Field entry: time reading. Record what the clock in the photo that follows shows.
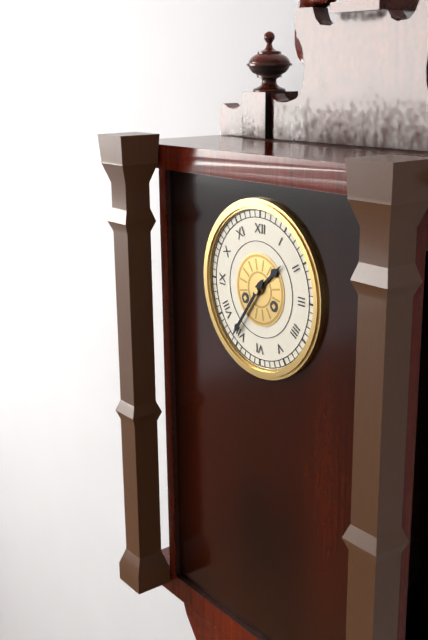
1:36
